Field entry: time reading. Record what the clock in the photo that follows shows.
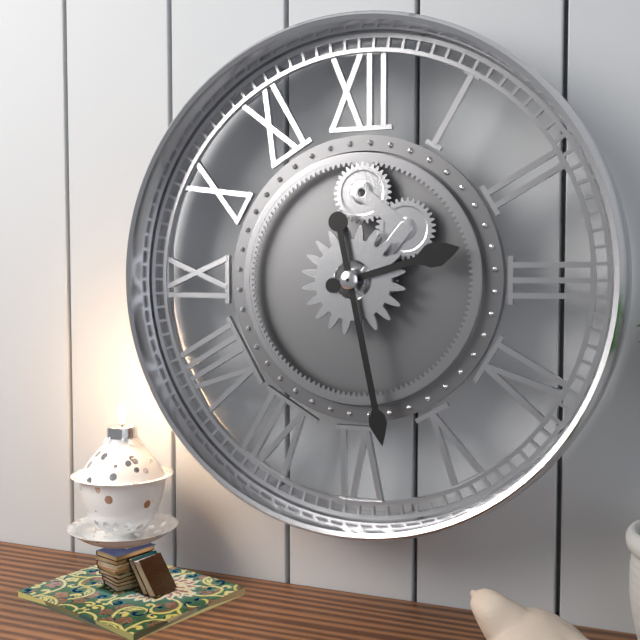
2:28
